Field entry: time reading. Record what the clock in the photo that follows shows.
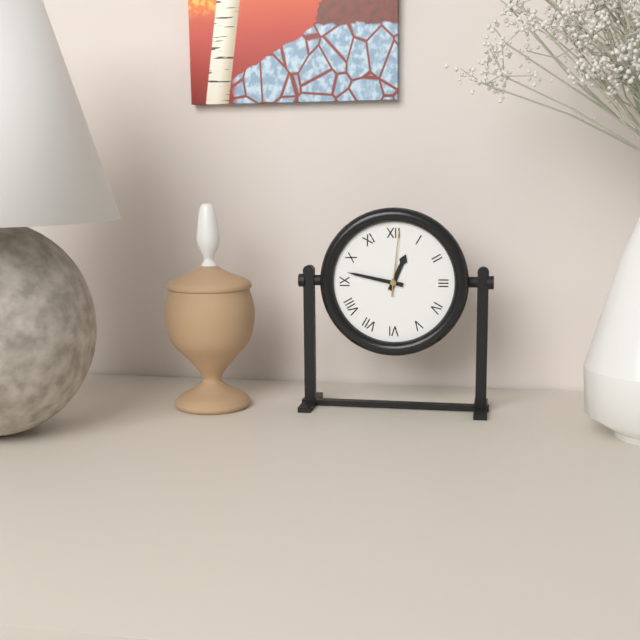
12:47:01
